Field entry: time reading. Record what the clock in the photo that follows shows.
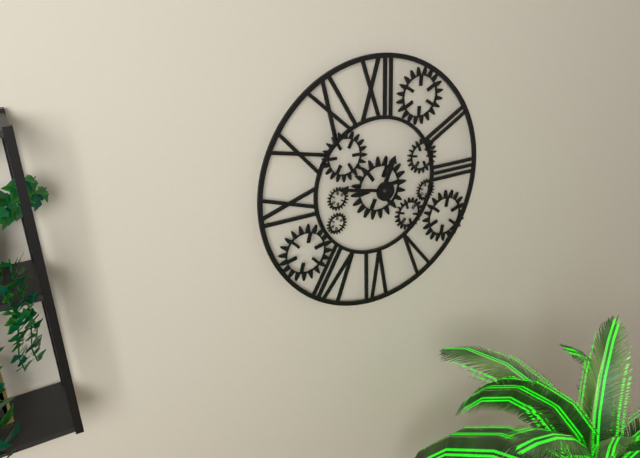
12:47
